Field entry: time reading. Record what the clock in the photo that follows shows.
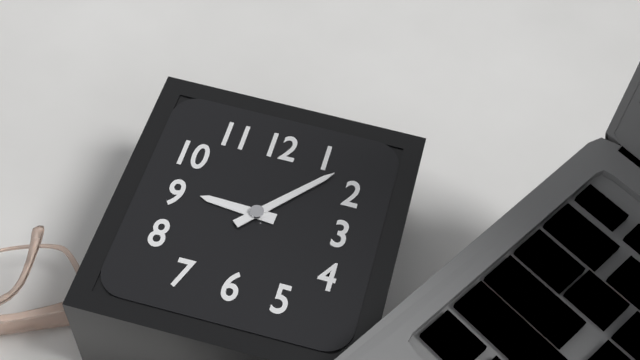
9:07
